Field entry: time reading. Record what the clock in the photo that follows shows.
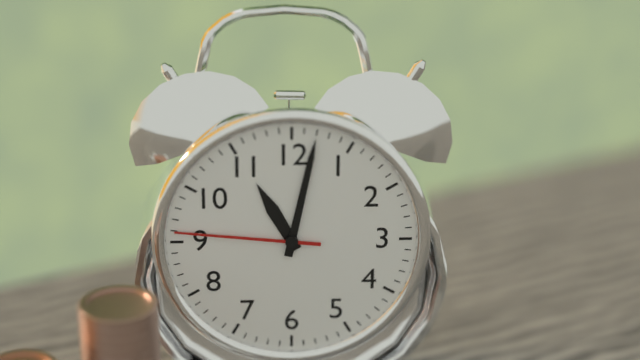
11:02:46
